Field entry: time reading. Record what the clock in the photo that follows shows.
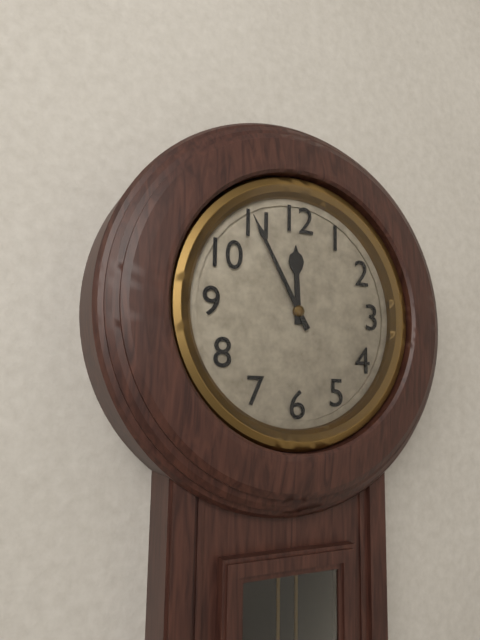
11:55
